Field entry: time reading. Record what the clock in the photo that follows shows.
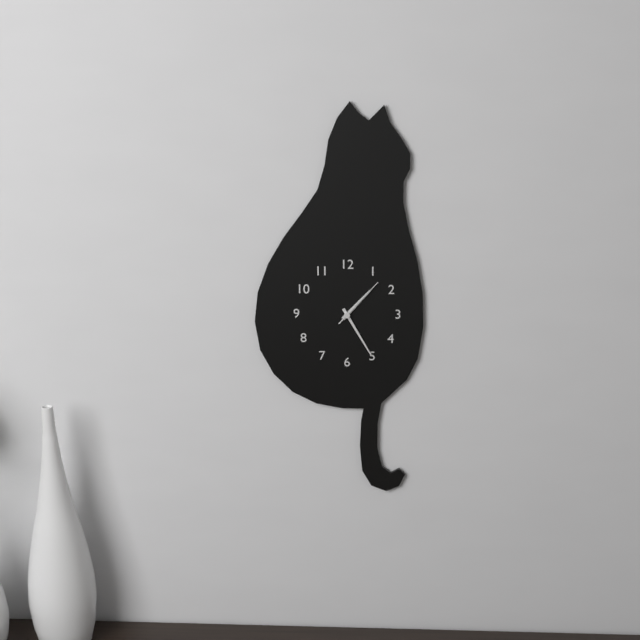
1:25:07
